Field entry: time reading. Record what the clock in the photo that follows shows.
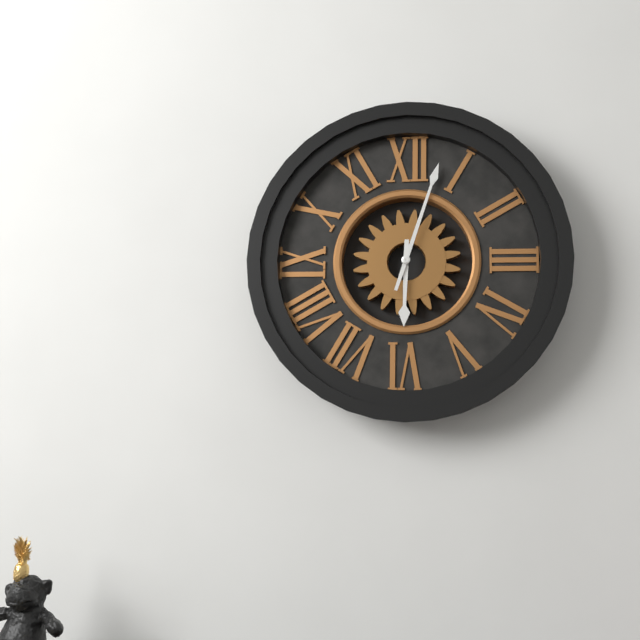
6:03
